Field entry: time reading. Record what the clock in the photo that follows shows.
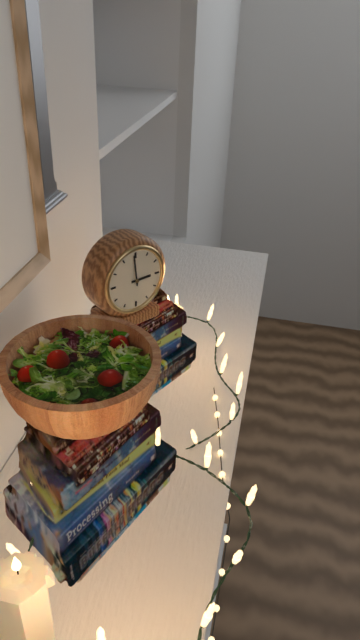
2:59
